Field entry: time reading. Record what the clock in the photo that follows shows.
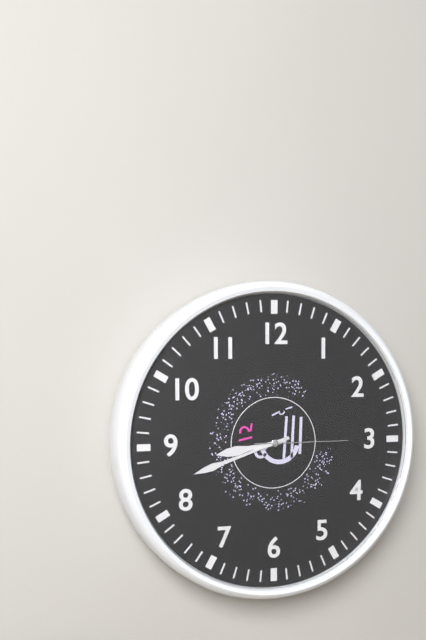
8:42:15
